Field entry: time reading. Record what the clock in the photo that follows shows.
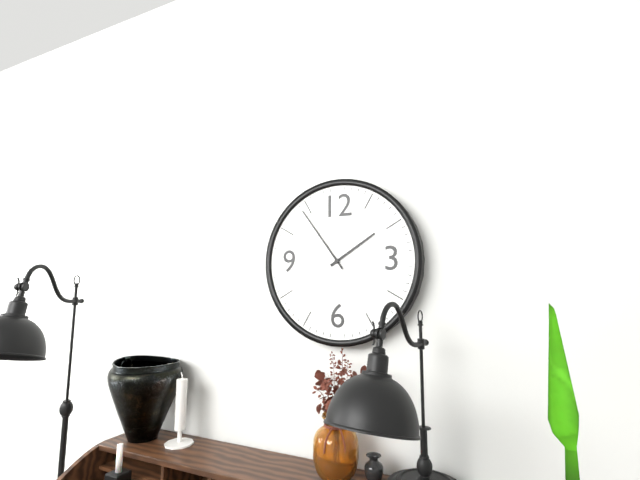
1:54
